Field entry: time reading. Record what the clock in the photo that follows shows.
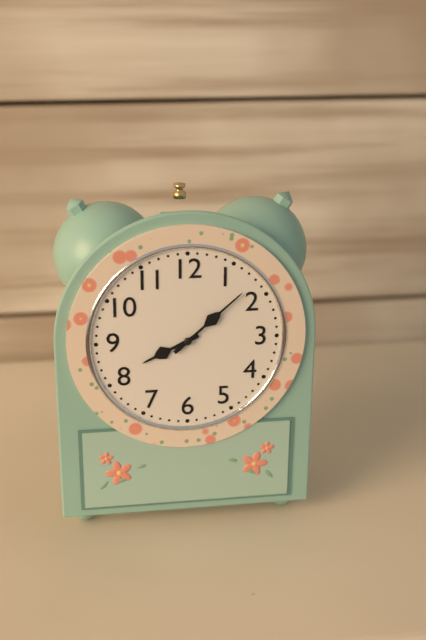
8:08
